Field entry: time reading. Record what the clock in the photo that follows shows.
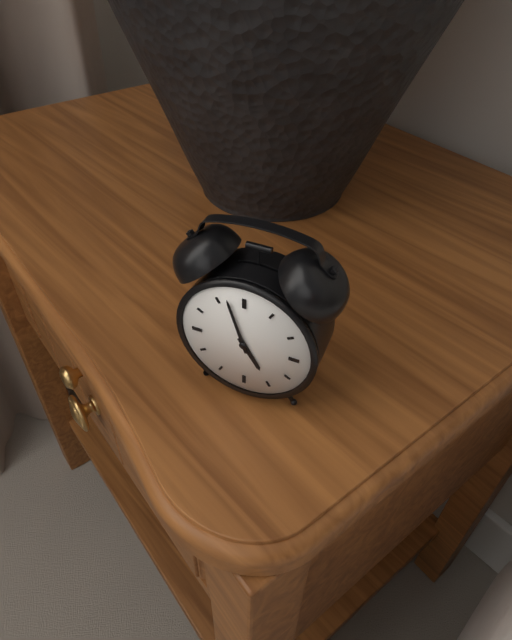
4:57
